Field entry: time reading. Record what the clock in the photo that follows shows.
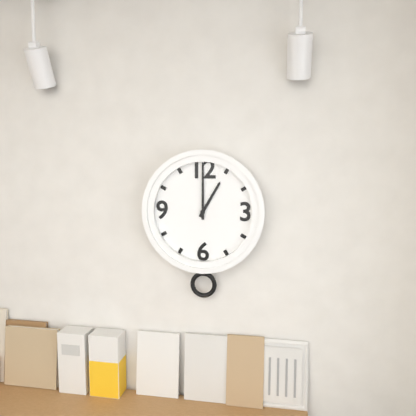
1:00
